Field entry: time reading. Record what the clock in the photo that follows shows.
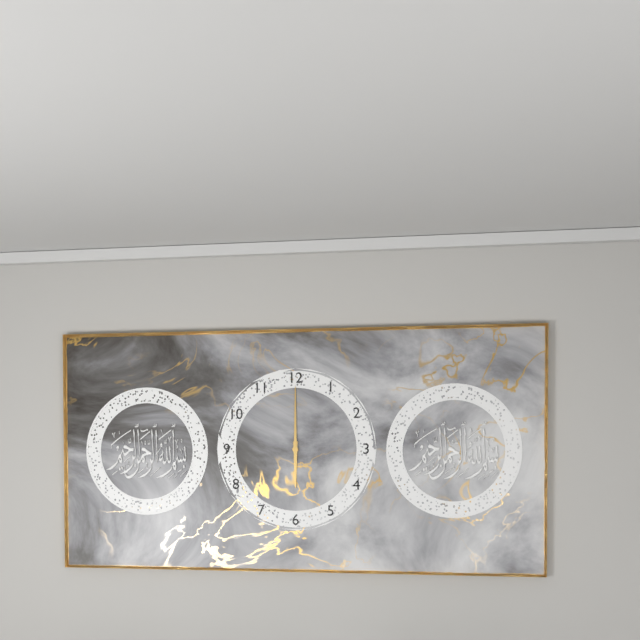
6:00
